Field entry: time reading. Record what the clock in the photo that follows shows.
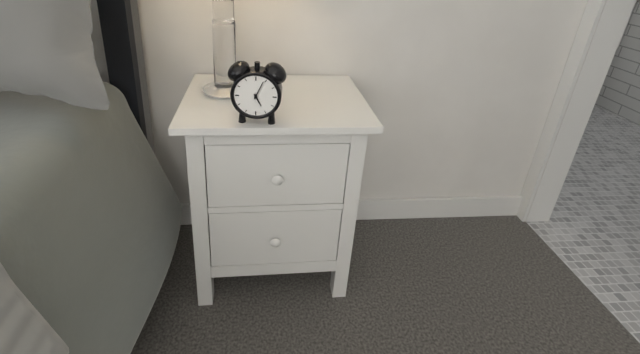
5:04
